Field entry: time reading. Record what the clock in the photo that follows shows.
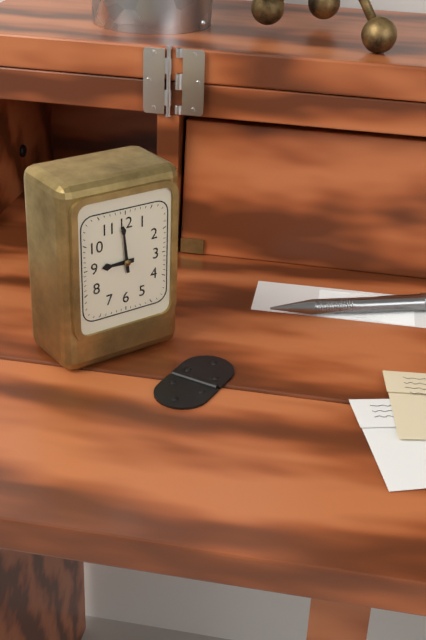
8:59
